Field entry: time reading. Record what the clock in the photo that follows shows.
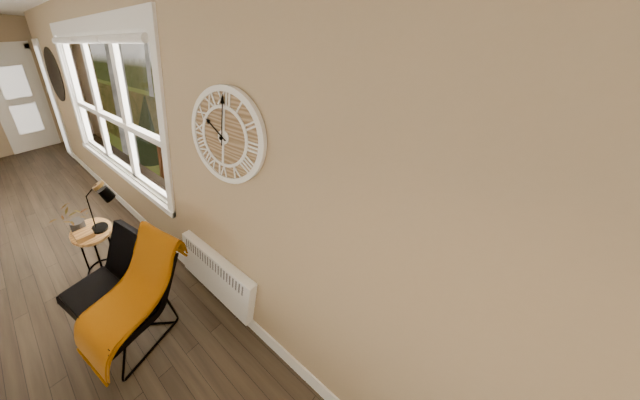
10:00
